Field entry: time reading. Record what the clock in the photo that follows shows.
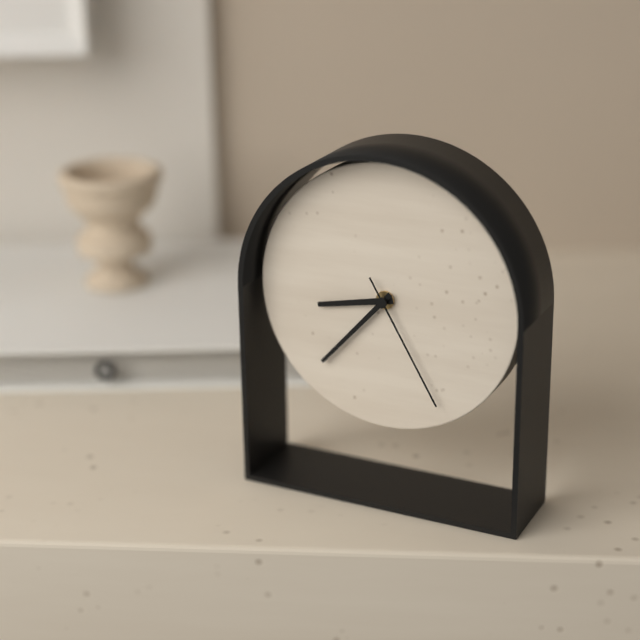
8:37:25
